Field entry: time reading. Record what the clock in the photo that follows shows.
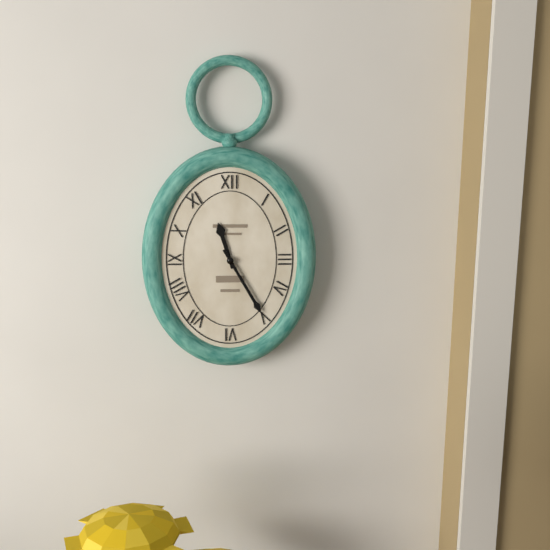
11:25
